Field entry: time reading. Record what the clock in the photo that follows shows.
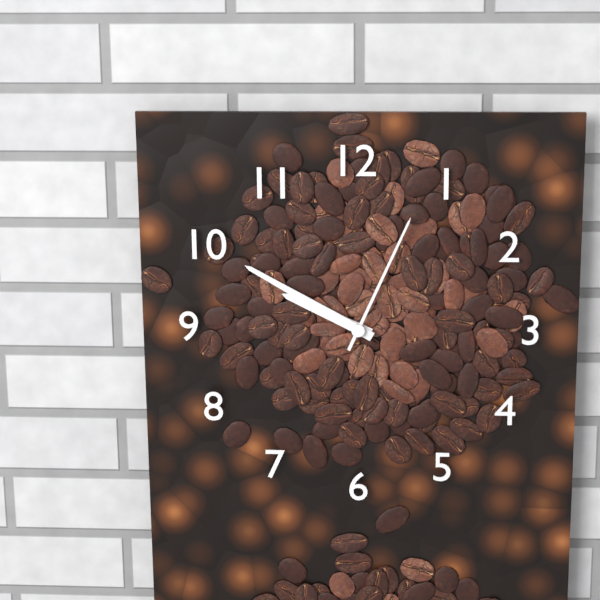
9:50:04
